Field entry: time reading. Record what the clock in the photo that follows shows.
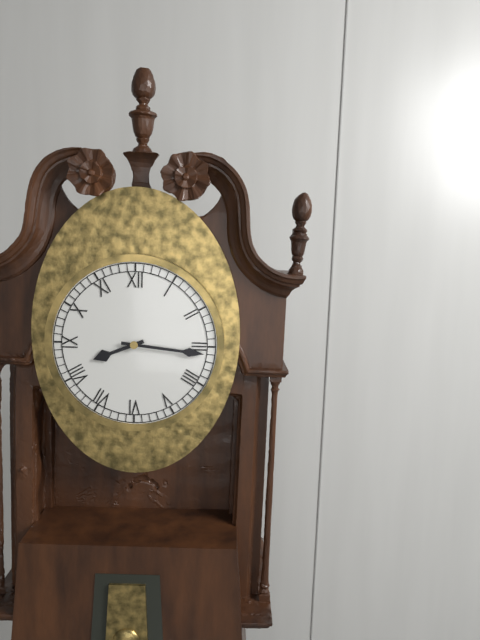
8:16
